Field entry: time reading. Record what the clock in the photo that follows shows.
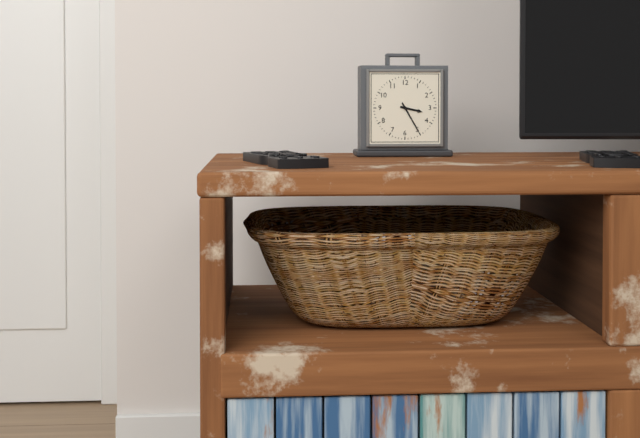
3:25
